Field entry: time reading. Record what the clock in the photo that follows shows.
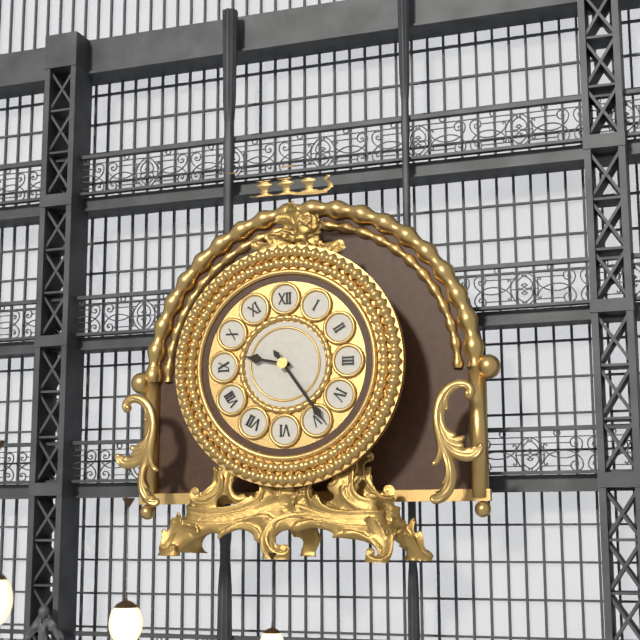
9:24
